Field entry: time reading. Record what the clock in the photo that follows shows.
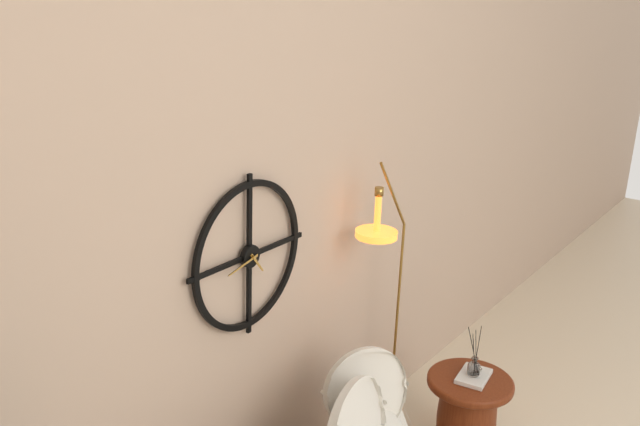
4:43
